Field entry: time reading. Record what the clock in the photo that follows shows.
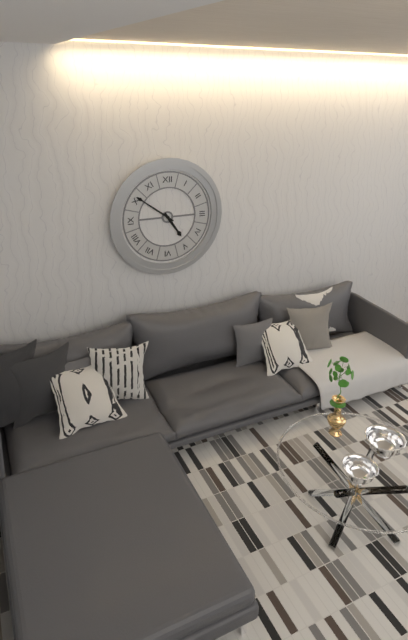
4:51
